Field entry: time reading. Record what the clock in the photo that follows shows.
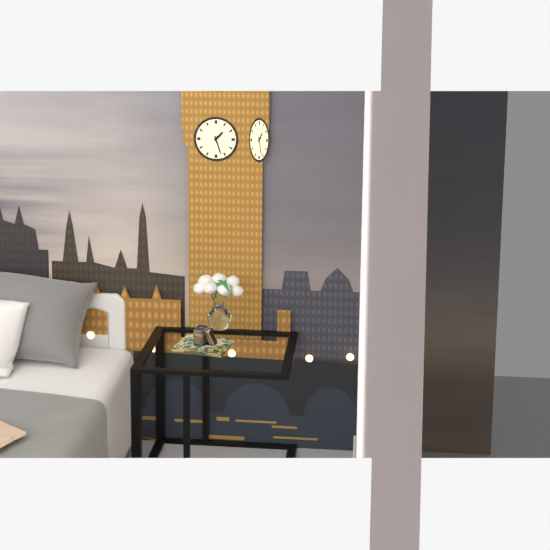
1:27
